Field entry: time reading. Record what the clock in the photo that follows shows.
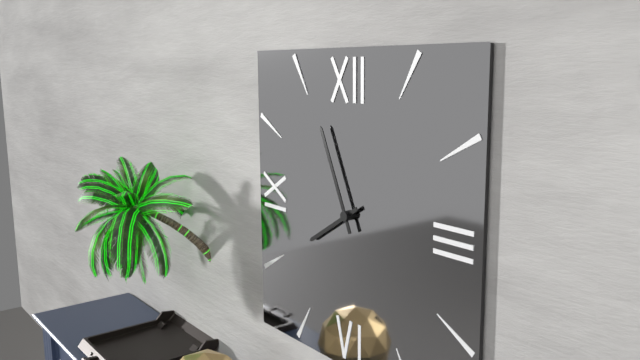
7:56
